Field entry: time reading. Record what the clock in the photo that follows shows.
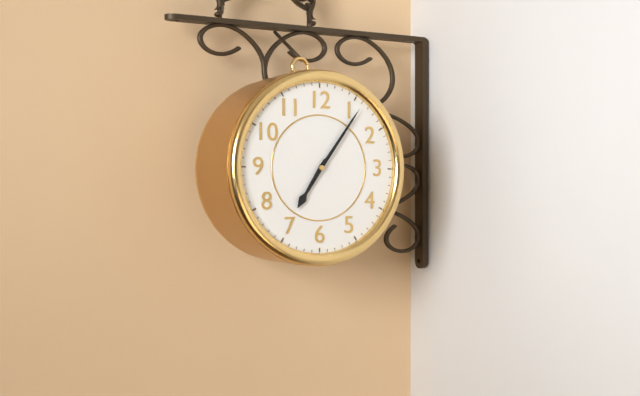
7:06
